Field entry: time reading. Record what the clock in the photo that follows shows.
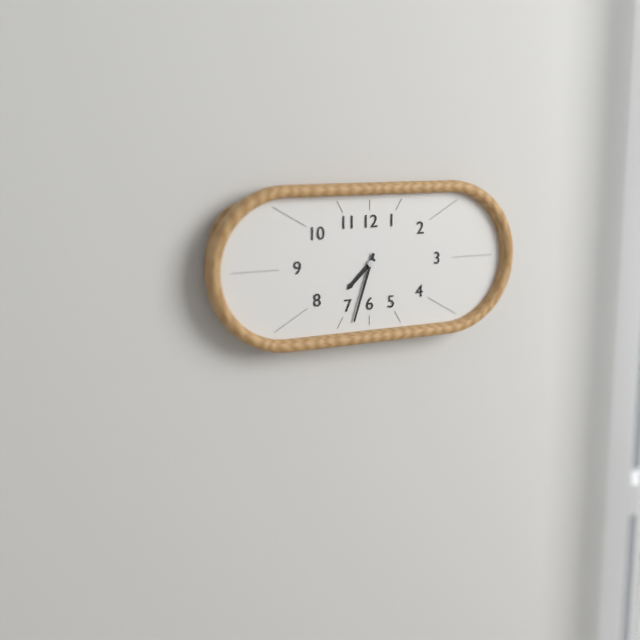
7:33
